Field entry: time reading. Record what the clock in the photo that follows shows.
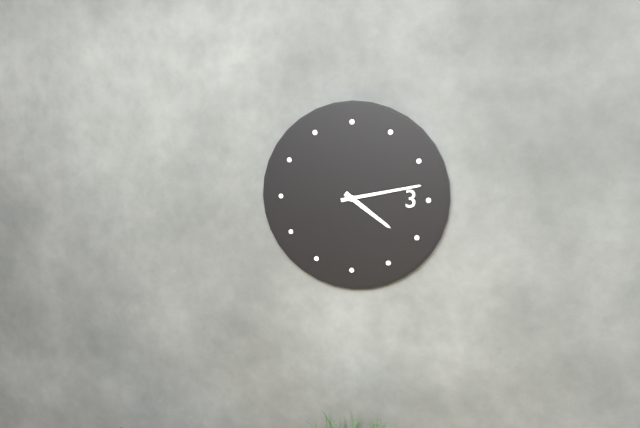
4:13
